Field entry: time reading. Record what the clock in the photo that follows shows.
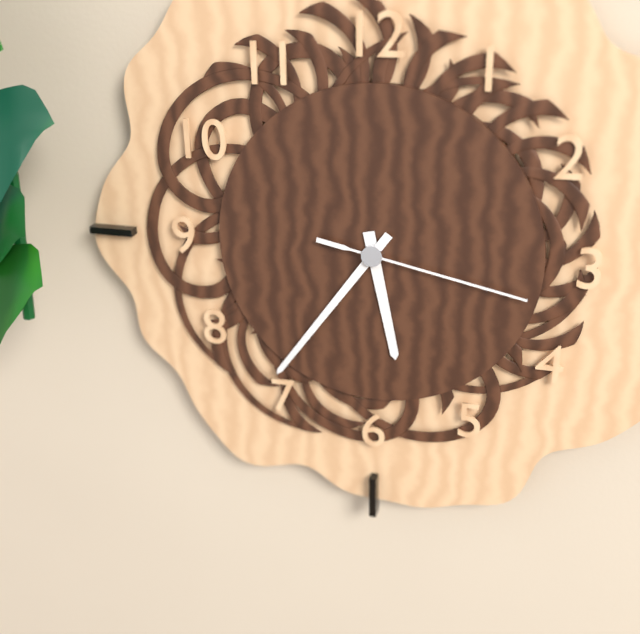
5:36:17
